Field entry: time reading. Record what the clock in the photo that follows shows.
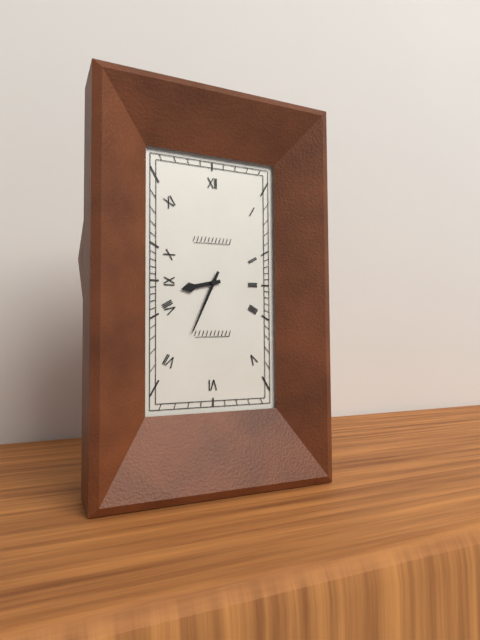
8:34
